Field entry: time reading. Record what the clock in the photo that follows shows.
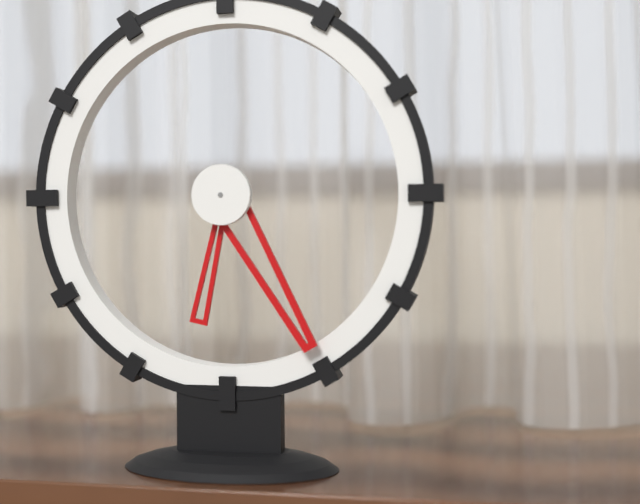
6:25
